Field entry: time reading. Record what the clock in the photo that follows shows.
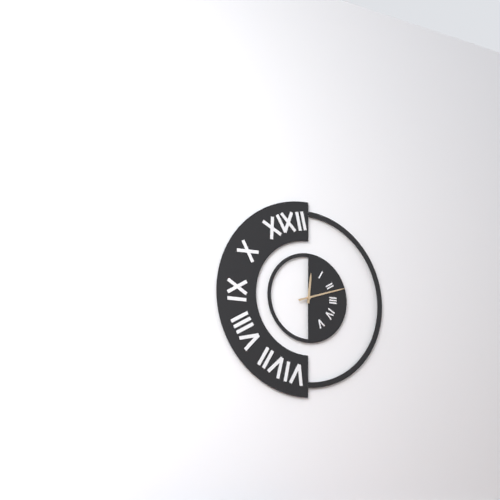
12:12
